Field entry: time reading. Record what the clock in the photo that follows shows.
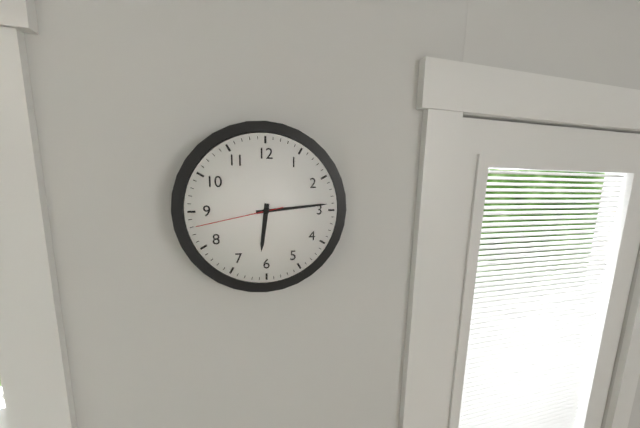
6:14:43
